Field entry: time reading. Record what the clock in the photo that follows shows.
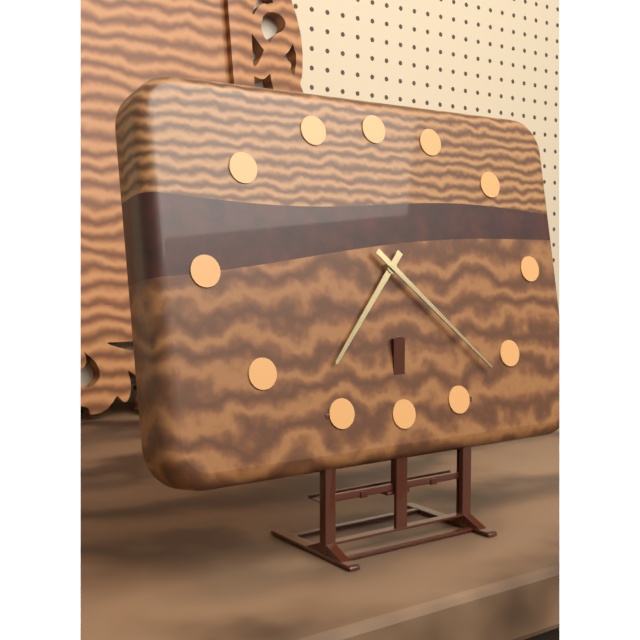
7:22
